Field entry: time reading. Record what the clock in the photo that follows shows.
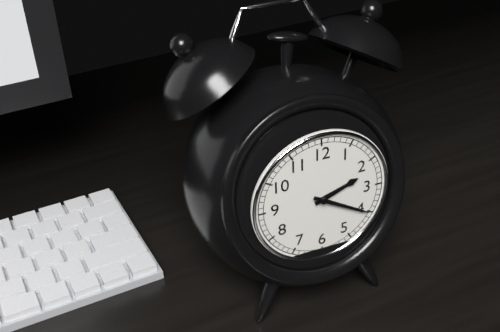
2:20
